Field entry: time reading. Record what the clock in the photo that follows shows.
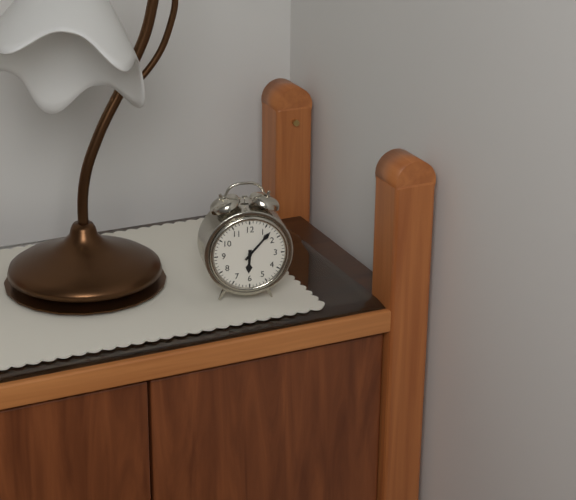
6:07
